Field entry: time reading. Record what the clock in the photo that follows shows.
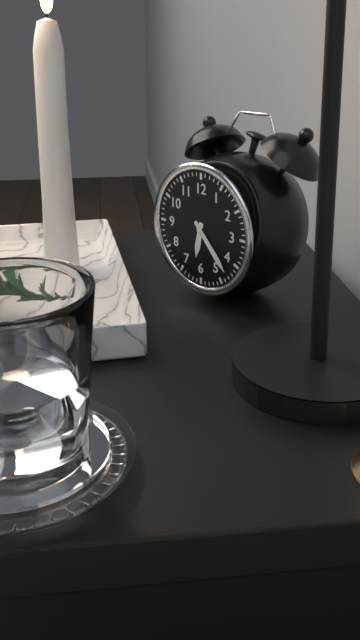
6:23
